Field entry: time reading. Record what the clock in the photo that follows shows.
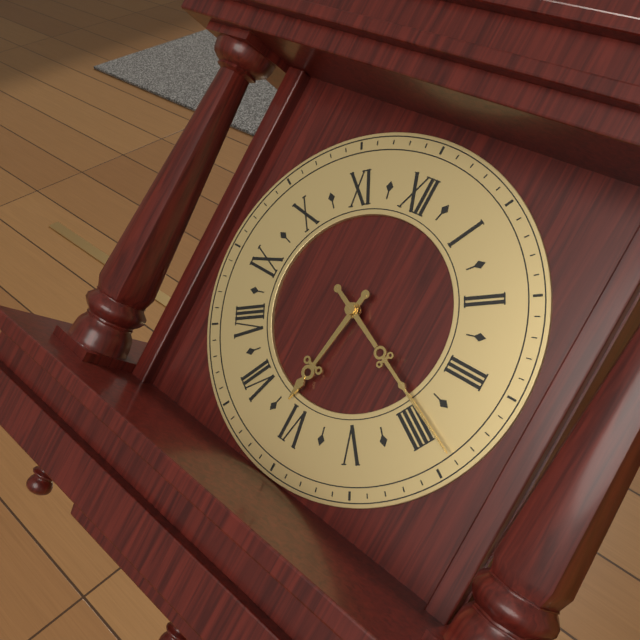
6:19
